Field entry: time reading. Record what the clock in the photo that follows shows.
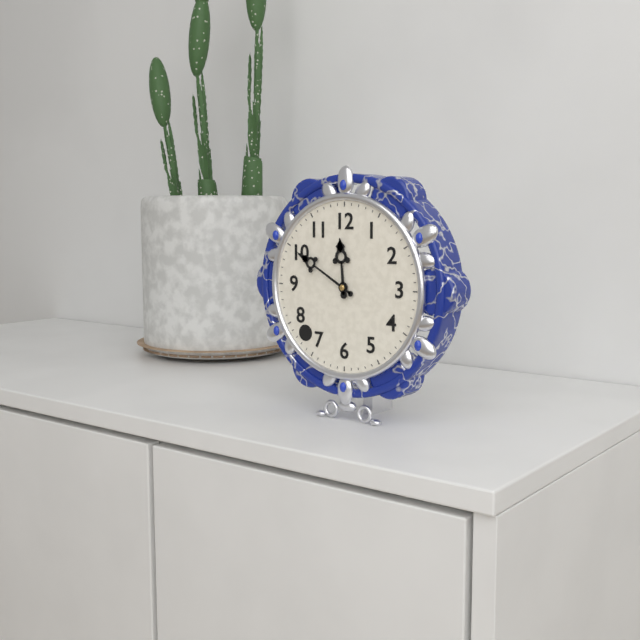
11:50
